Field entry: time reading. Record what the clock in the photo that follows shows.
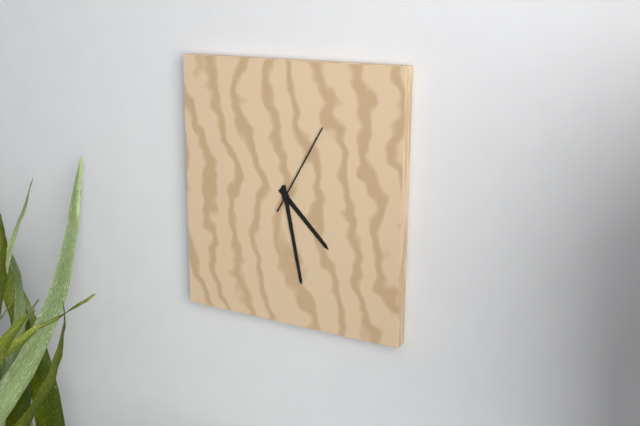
4:28:05
